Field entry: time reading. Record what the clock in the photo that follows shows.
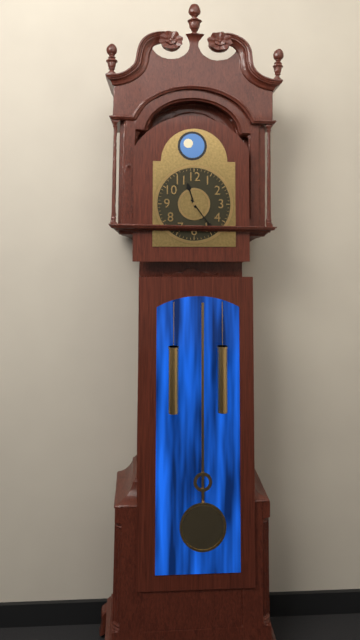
11:24
